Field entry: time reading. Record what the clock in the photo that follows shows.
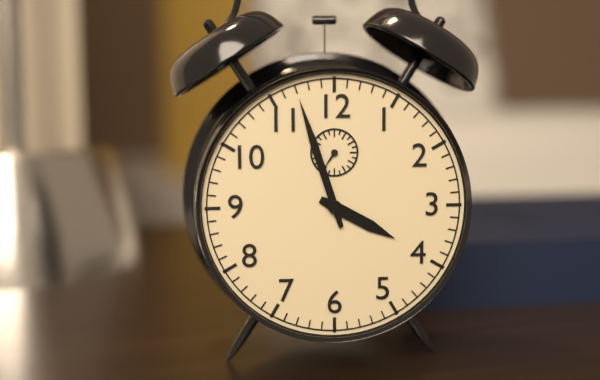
3:57
